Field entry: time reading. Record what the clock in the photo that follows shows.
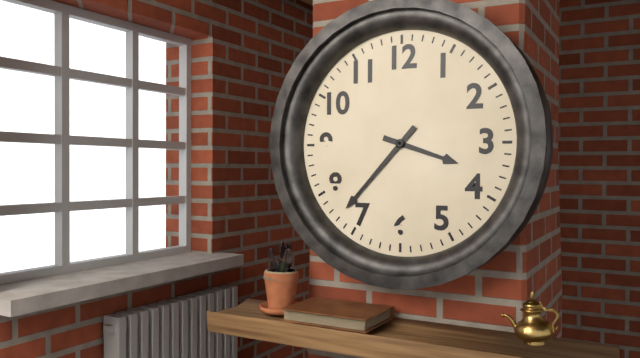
3:37
